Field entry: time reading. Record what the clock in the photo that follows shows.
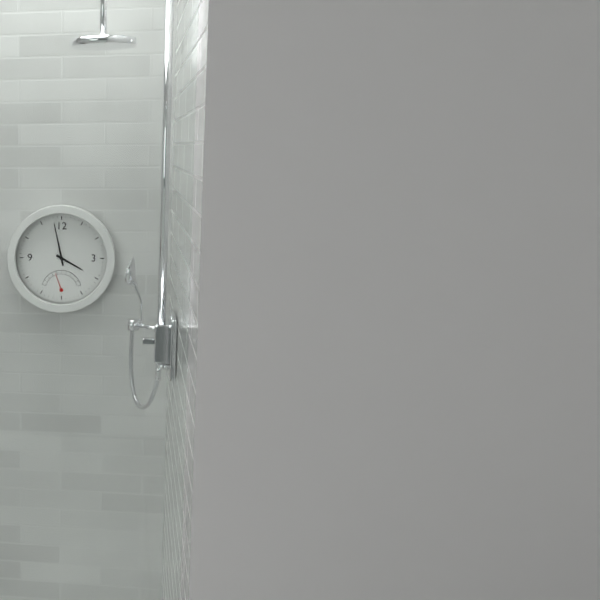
3:58
